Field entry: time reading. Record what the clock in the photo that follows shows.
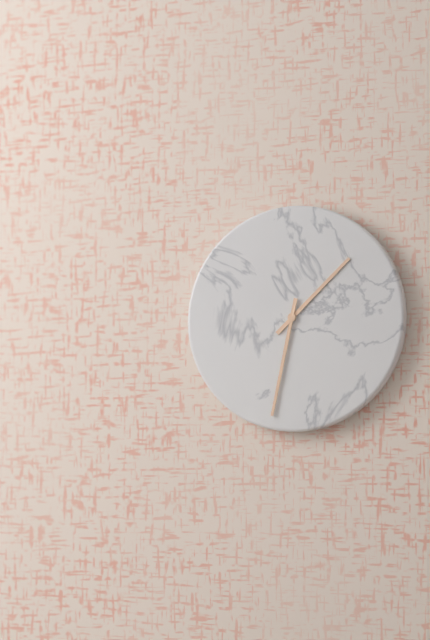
1:32
